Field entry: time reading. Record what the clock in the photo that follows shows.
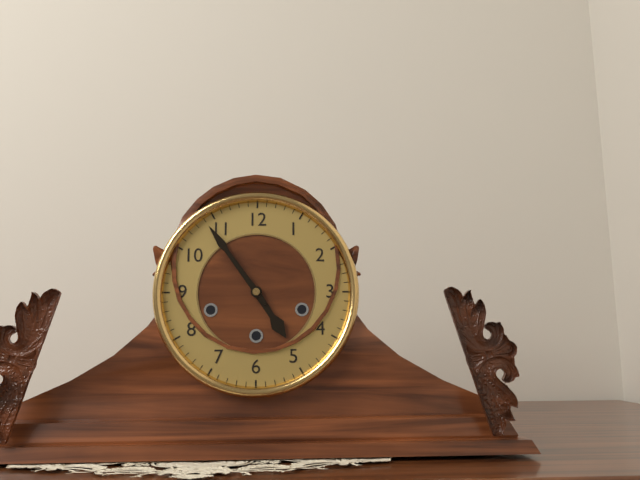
4:54
